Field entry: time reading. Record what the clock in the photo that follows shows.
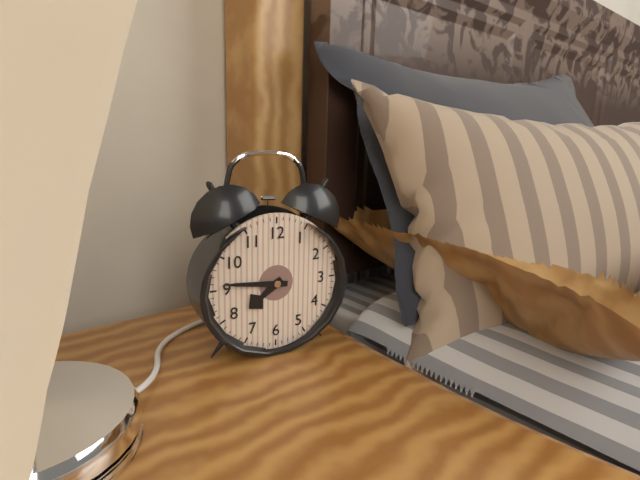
7:46
